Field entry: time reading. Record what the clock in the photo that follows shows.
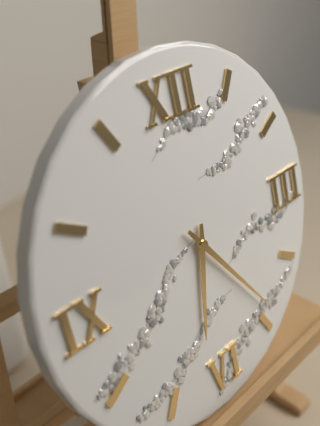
6:24
